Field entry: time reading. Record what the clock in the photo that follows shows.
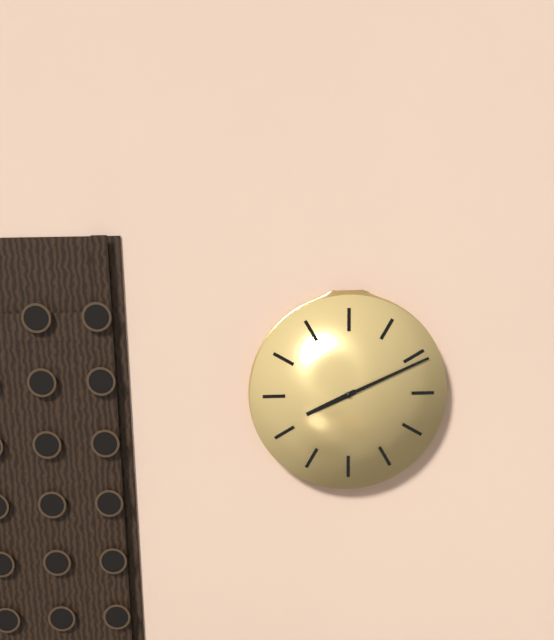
8:11
